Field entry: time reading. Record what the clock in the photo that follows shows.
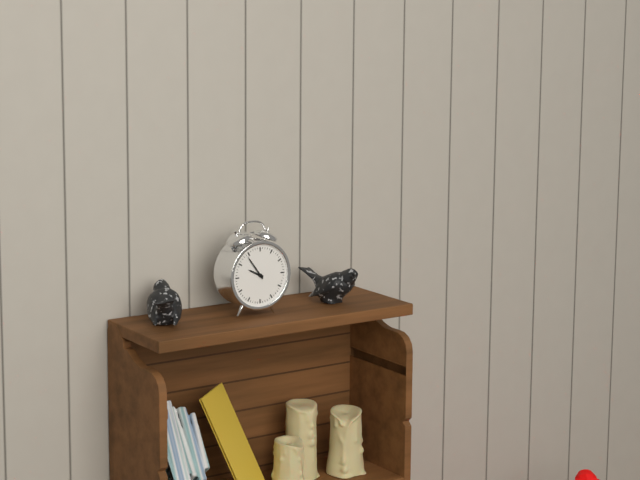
9:54
